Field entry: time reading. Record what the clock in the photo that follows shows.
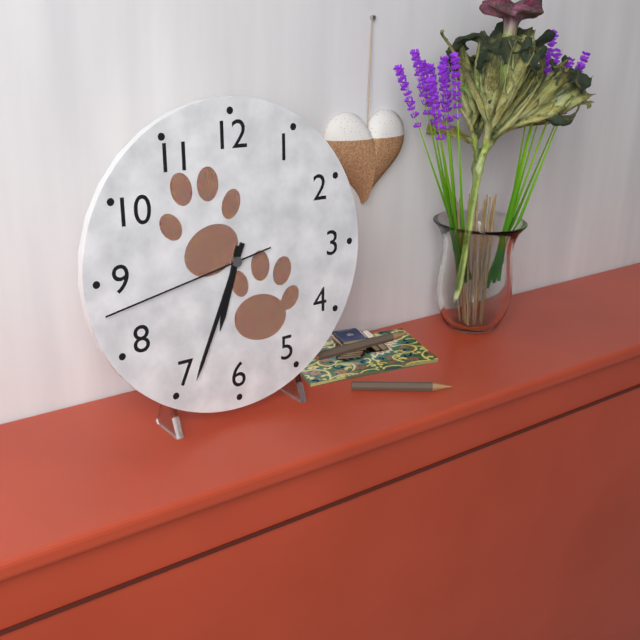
6:34:43
